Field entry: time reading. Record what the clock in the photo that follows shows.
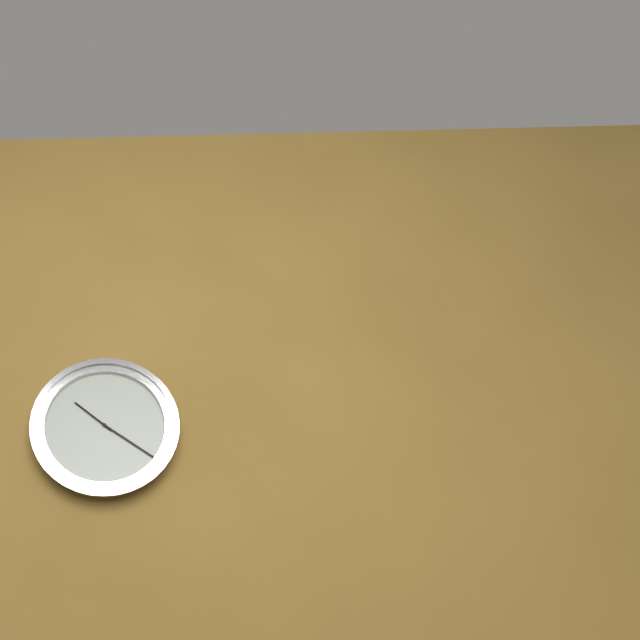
10:21
